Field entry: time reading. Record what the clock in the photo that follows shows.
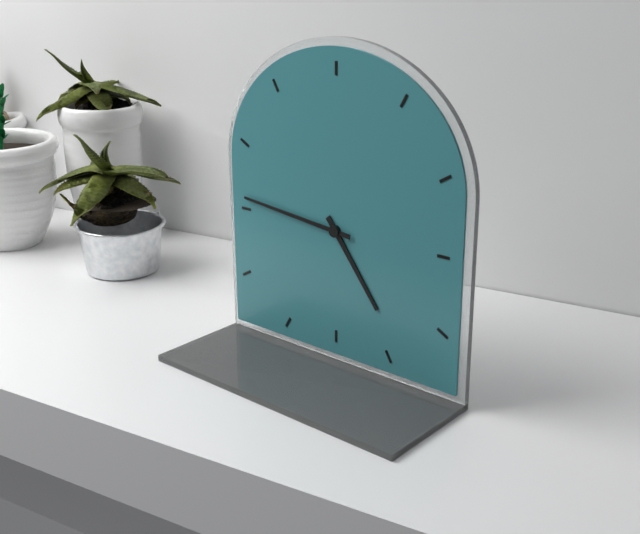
4:46
